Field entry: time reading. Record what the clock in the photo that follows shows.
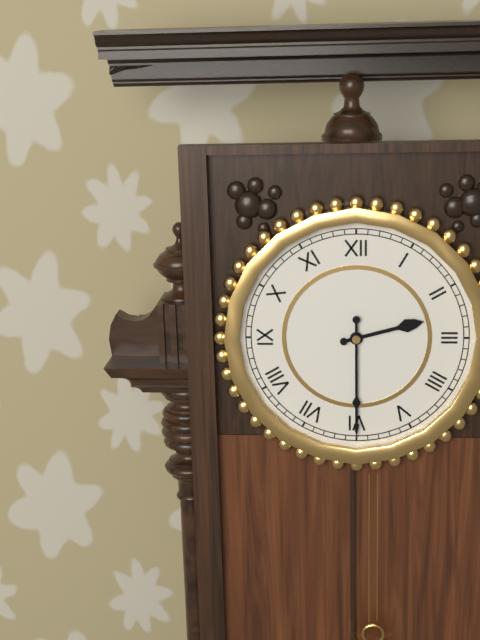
2:30
